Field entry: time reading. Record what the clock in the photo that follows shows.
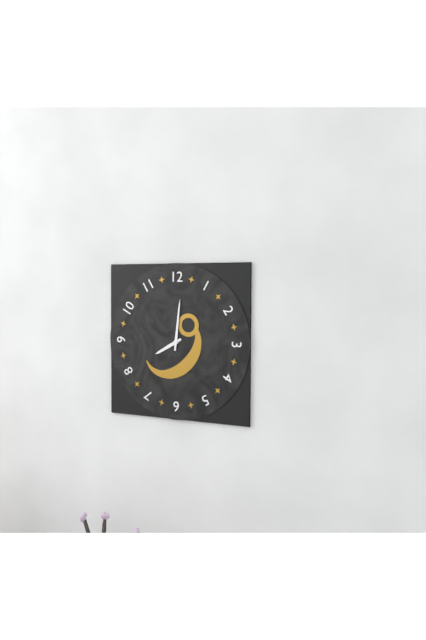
8:01
